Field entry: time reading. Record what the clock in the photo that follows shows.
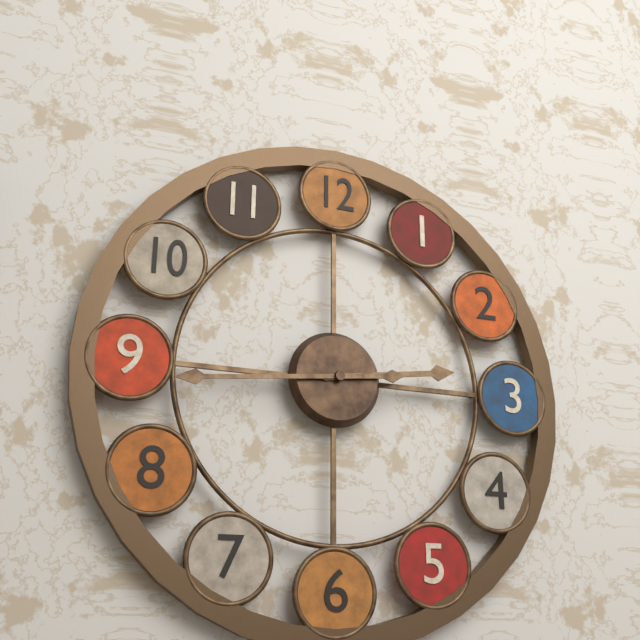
2:44
